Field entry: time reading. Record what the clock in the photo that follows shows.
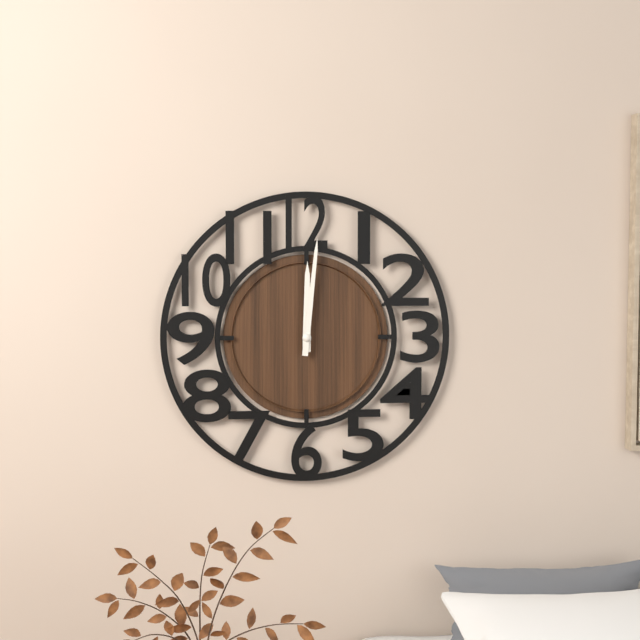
12:01
